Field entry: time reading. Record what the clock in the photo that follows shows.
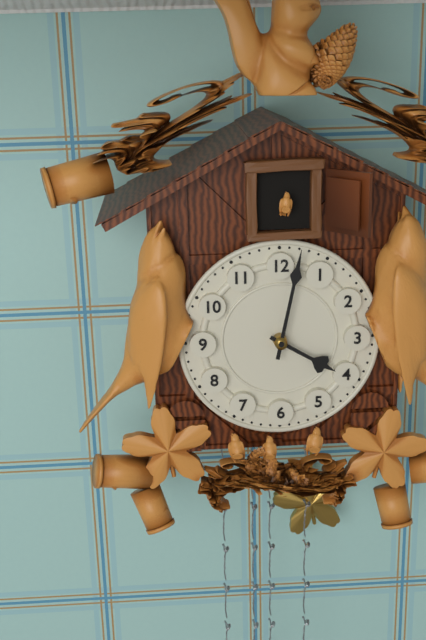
4:02
